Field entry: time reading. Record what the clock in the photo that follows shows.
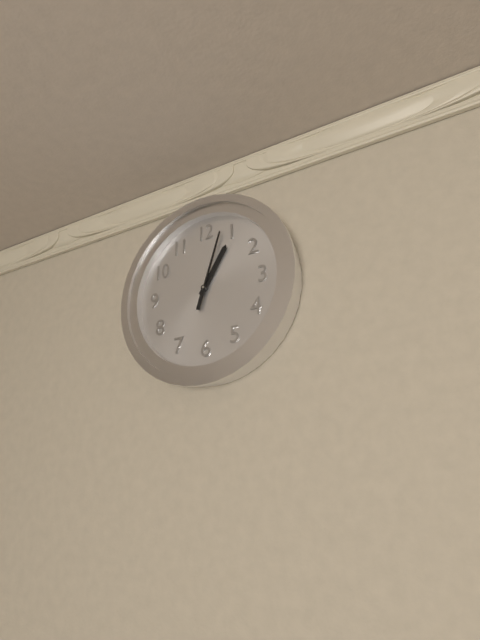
1:03
